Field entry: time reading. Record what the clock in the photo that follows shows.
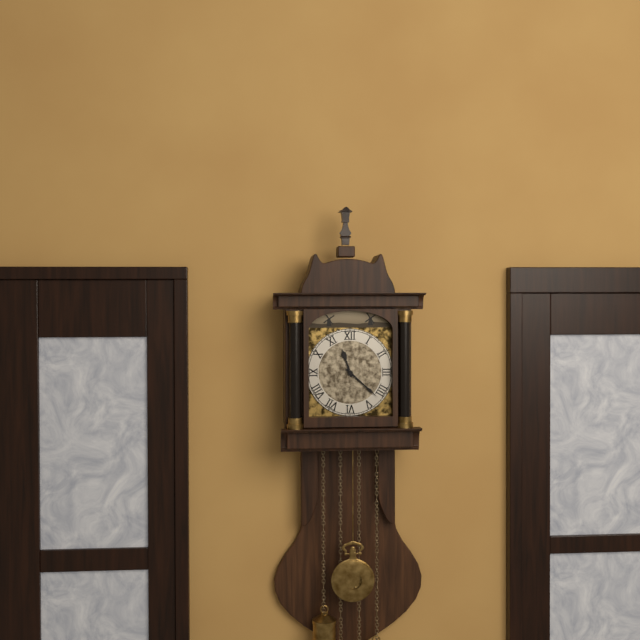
11:22
